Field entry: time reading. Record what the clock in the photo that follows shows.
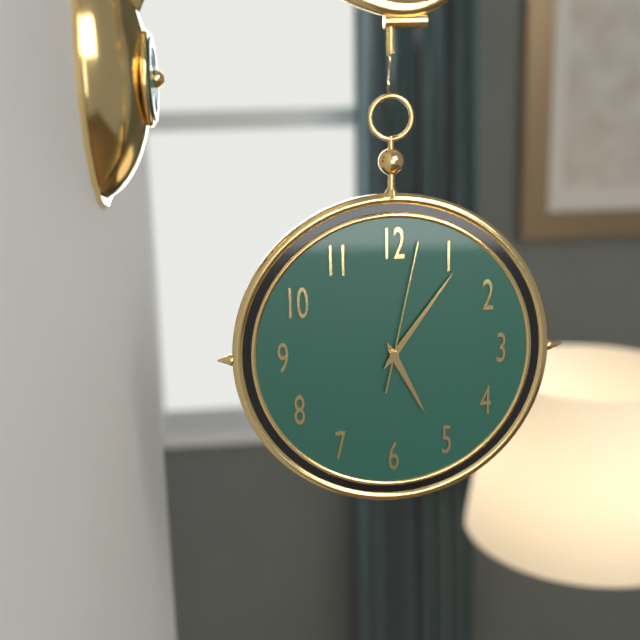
5:06:02
